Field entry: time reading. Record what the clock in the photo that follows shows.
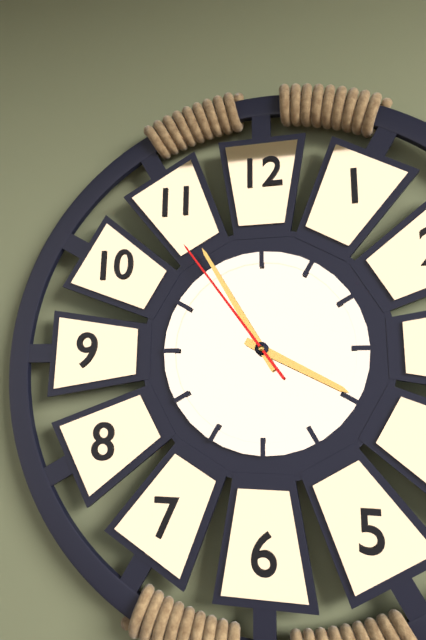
3:55:54
